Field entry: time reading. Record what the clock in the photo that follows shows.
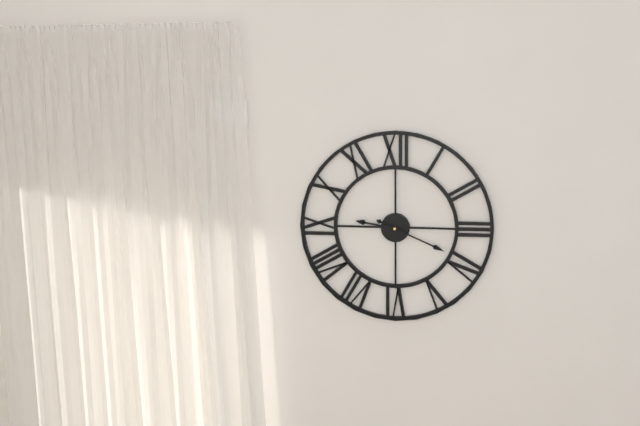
9:19
